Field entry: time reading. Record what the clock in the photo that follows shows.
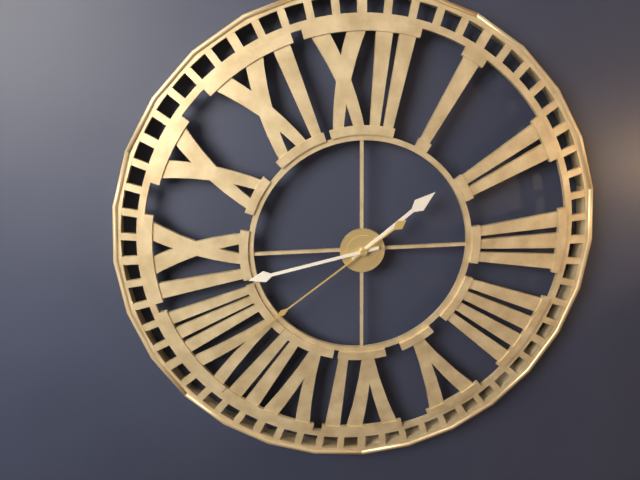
1:43:39
